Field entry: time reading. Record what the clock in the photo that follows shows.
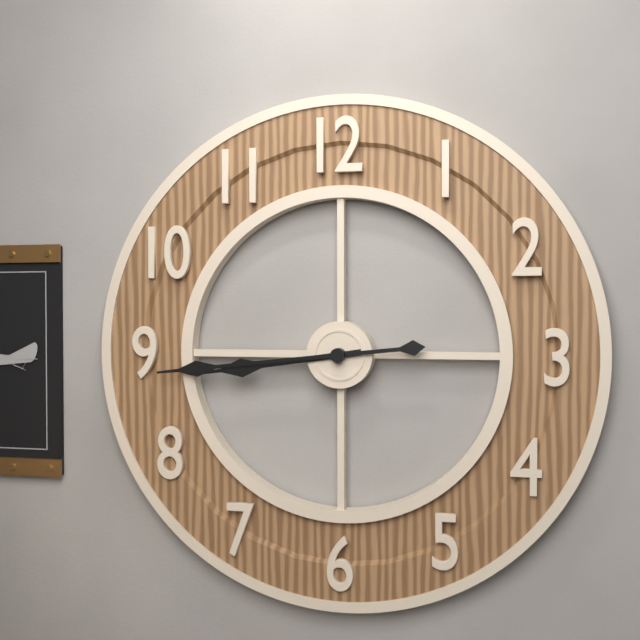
8:44
